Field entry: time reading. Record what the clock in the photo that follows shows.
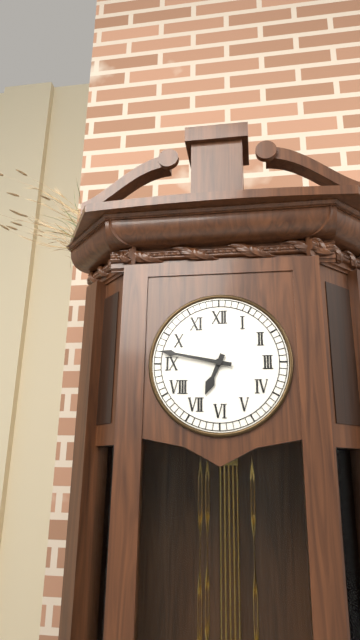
6:47
